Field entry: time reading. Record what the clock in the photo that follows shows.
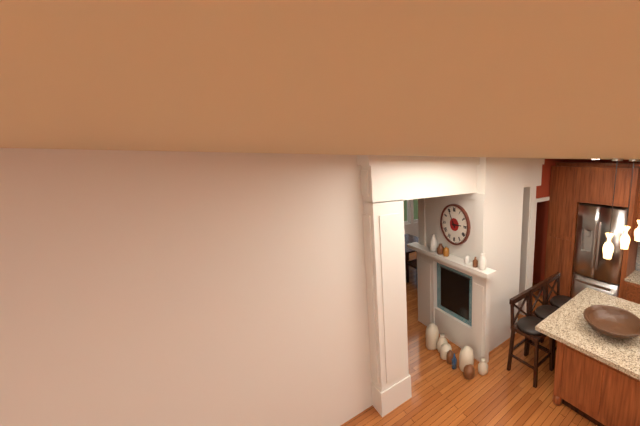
2:55
